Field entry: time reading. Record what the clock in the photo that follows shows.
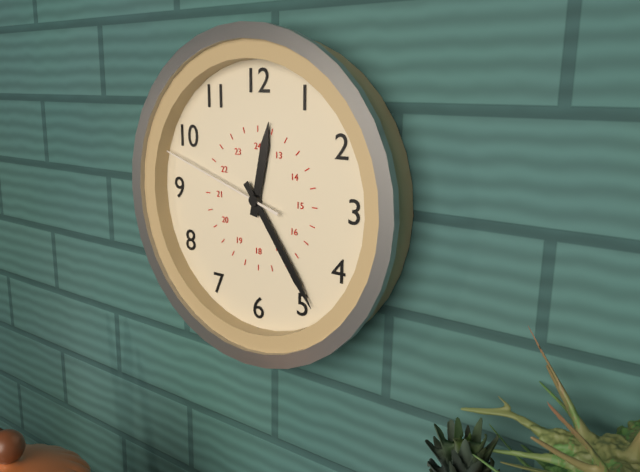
12:24:48
